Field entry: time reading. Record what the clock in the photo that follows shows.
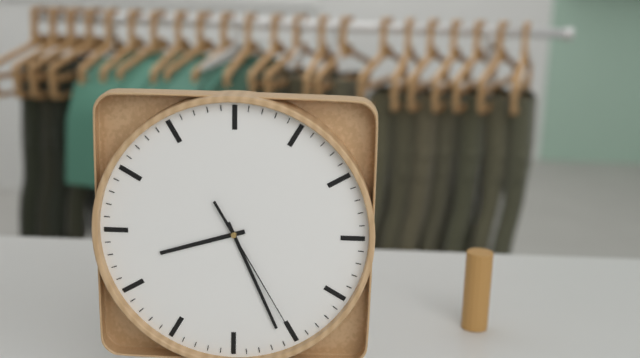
8:26:25
